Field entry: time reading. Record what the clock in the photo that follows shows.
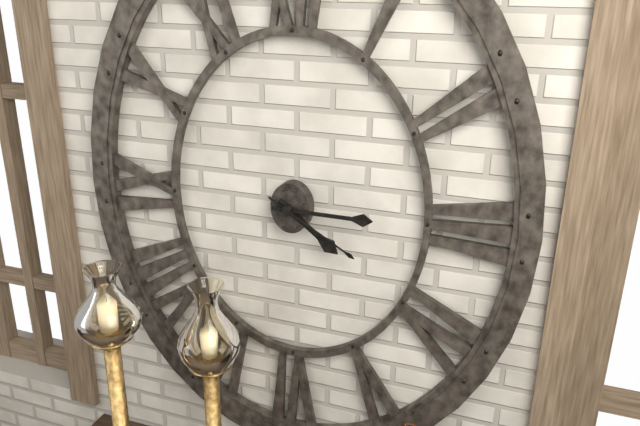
4:15:20
